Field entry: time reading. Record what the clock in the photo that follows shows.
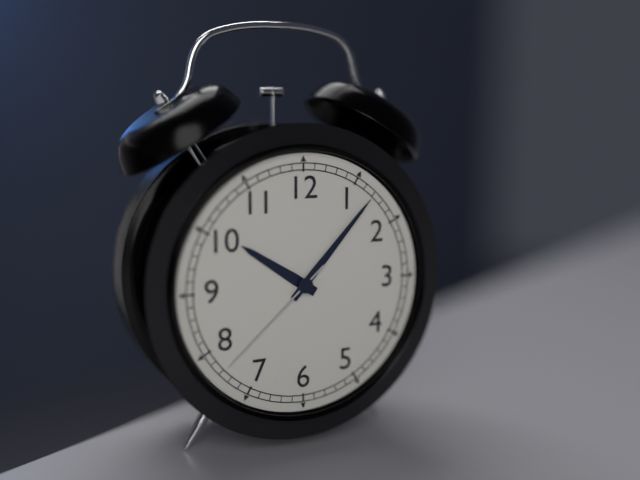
10:07:38
